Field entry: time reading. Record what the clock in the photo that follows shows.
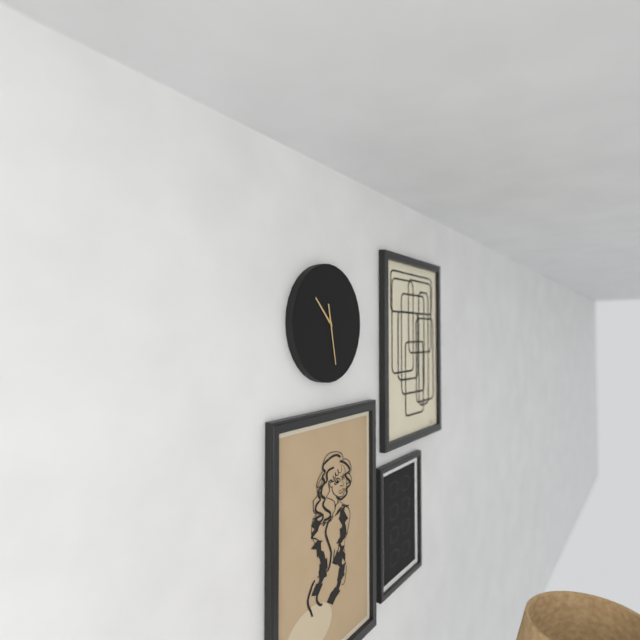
10:28
